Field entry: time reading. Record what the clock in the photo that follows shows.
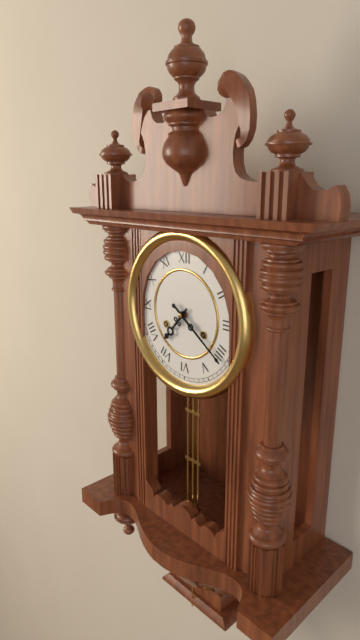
7:21
